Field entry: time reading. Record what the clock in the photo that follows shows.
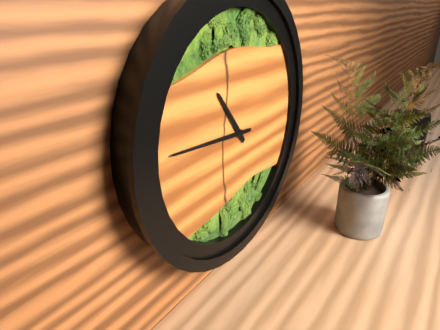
10:46
